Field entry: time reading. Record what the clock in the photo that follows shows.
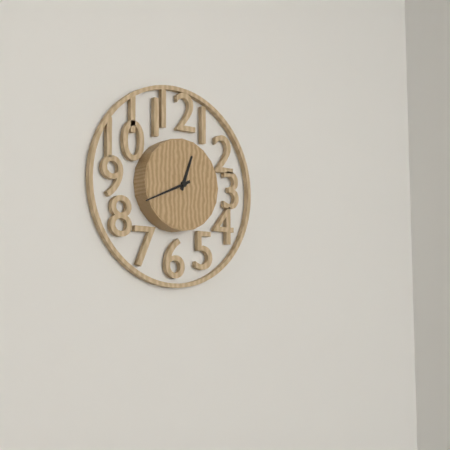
12:41
